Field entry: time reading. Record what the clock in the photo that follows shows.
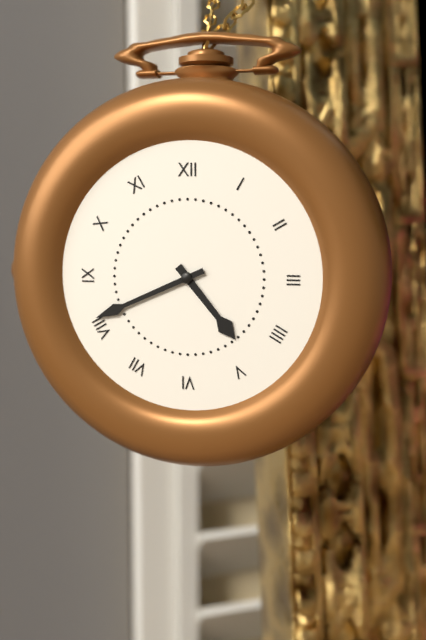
4:41
